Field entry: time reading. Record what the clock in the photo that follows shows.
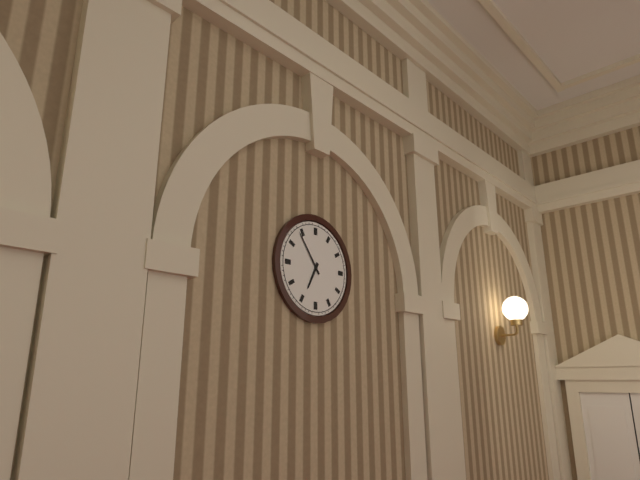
6:54
